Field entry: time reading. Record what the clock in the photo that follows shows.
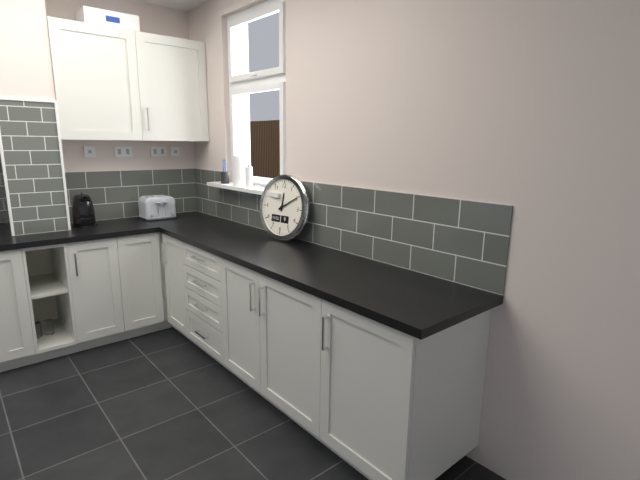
12:10
